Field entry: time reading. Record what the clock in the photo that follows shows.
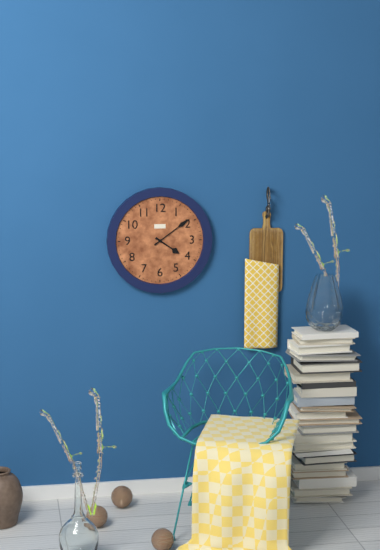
4:09
